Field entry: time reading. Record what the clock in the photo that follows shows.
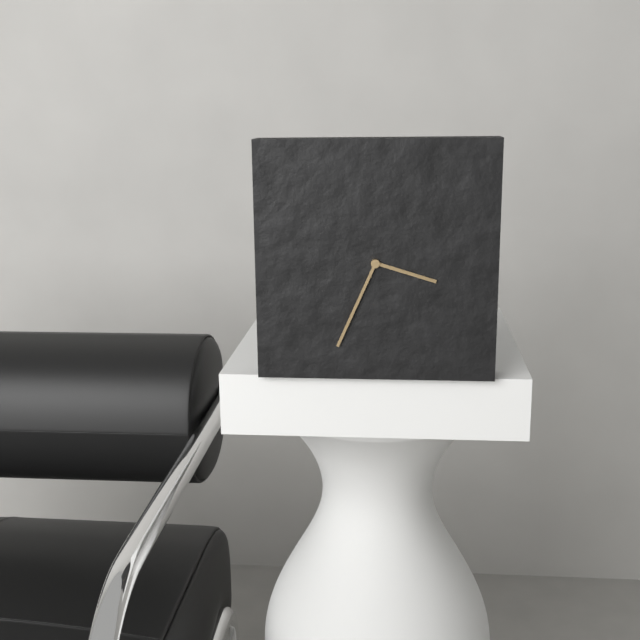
3:34
